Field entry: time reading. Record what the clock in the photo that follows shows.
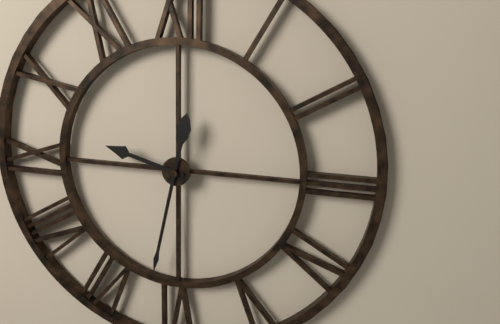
9:32
